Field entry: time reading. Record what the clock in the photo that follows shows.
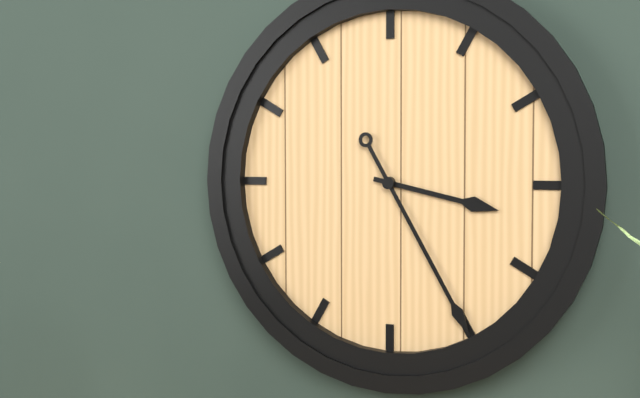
3:25
